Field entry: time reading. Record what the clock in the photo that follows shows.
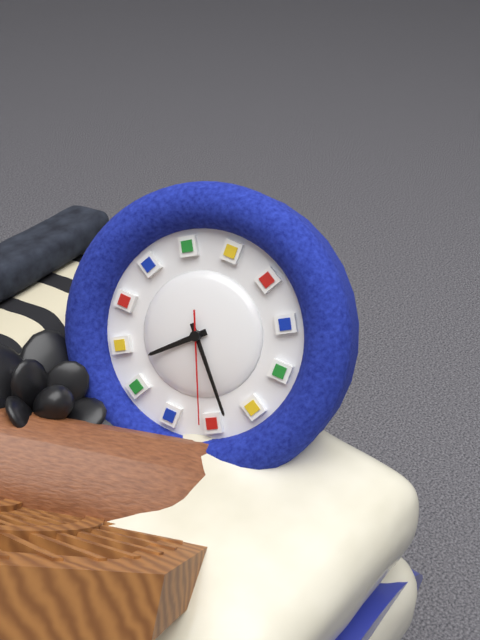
9:33:36
